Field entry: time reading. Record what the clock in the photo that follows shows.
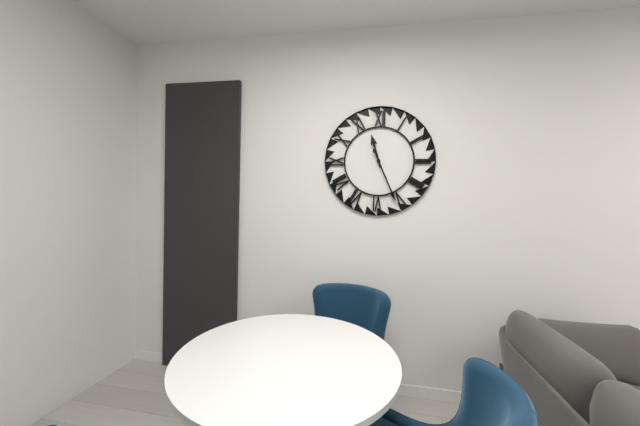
11:26
